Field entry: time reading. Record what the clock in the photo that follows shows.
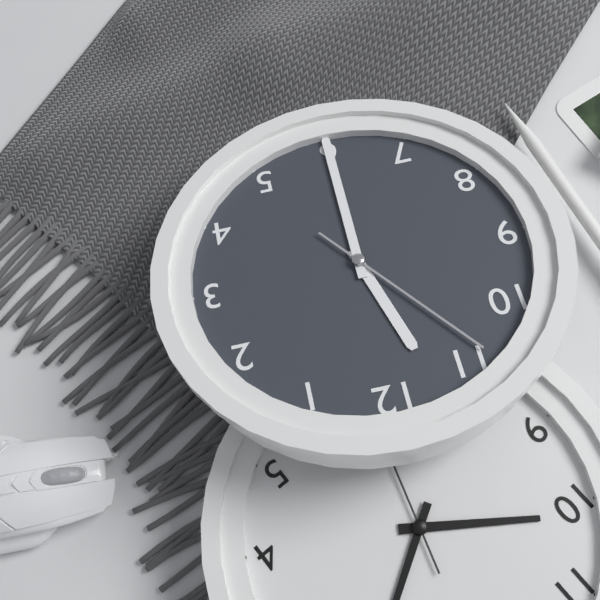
11:30:54
